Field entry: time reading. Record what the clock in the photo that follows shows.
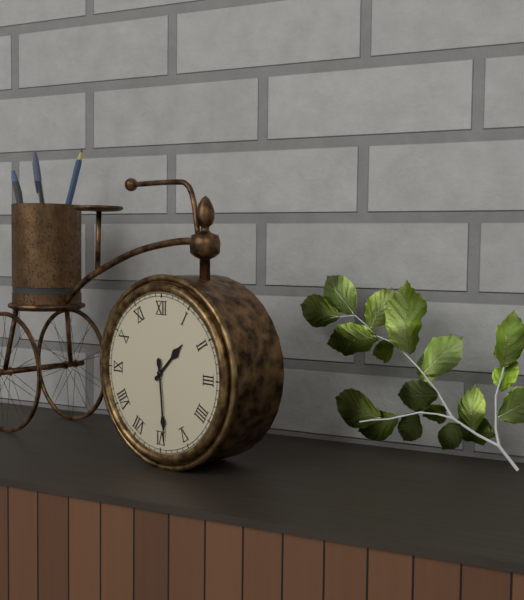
1:29
